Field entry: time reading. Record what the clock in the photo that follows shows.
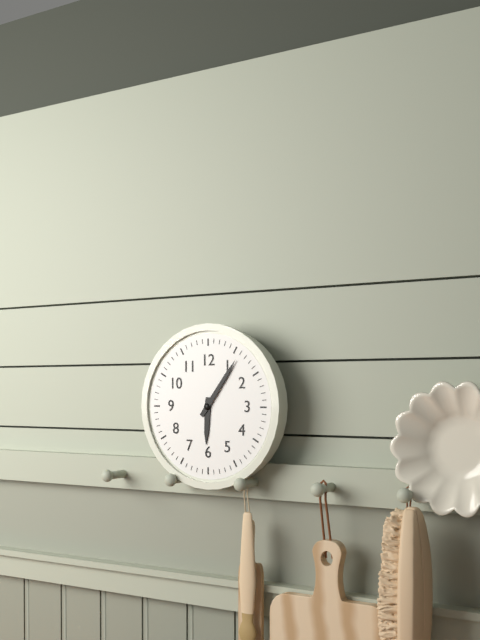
6:06
